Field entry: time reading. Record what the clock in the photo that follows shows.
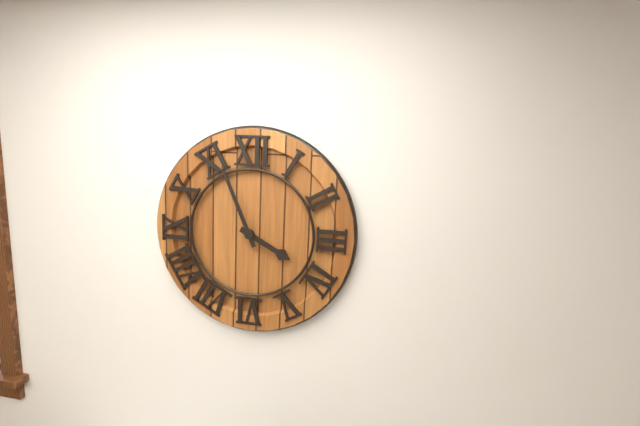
3:56
